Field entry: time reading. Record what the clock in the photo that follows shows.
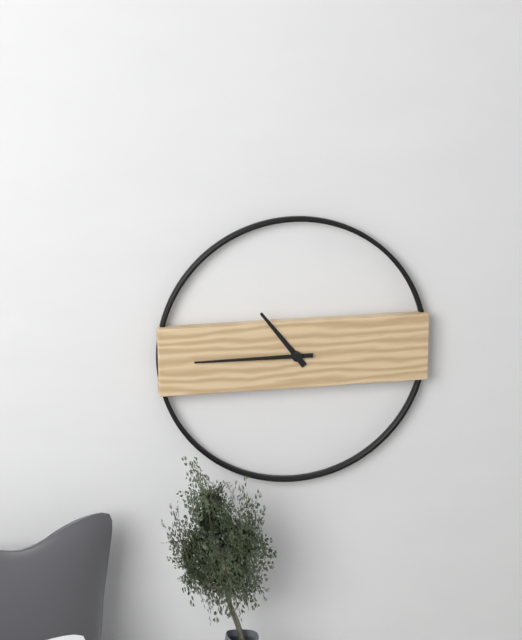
10:45
